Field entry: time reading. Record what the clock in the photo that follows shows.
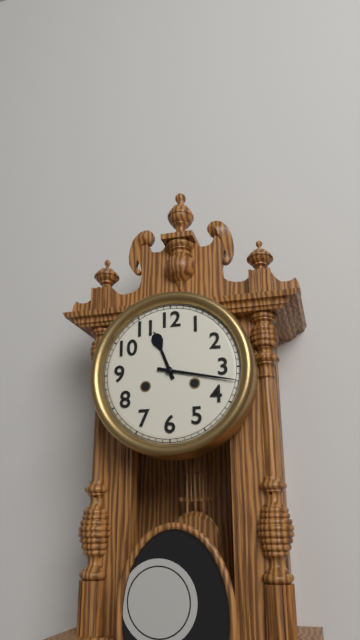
11:17
